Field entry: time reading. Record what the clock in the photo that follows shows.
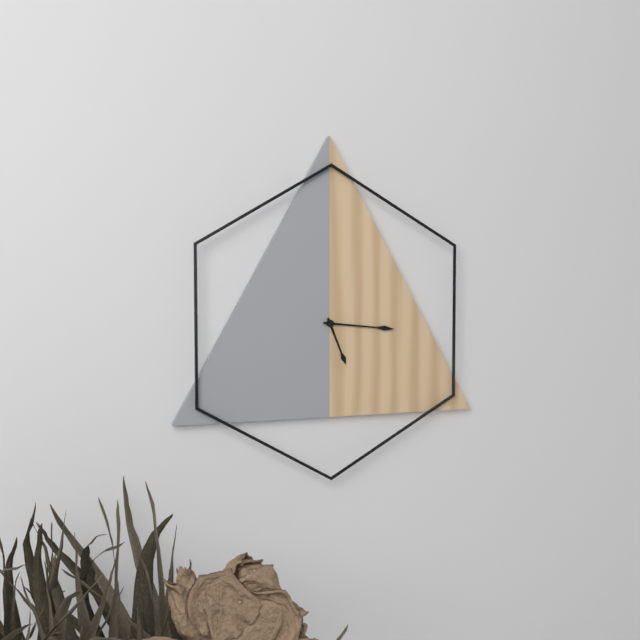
5:16
